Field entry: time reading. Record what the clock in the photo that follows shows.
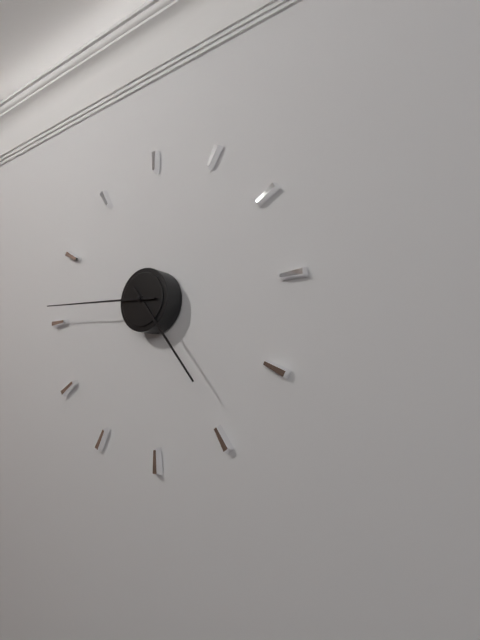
4:46
